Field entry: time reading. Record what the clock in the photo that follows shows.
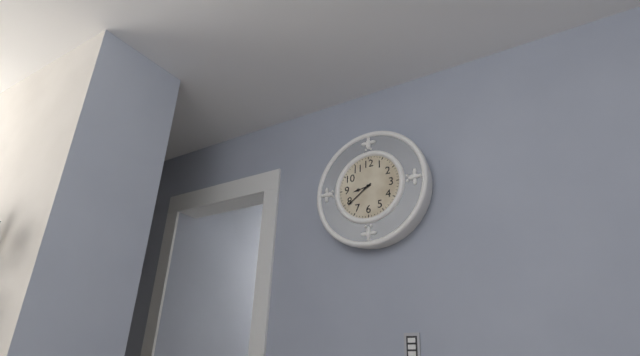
8:39
